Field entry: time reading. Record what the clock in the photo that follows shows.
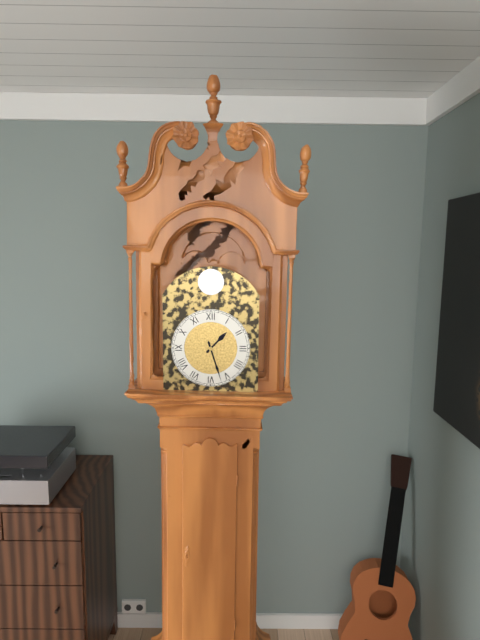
1:27
